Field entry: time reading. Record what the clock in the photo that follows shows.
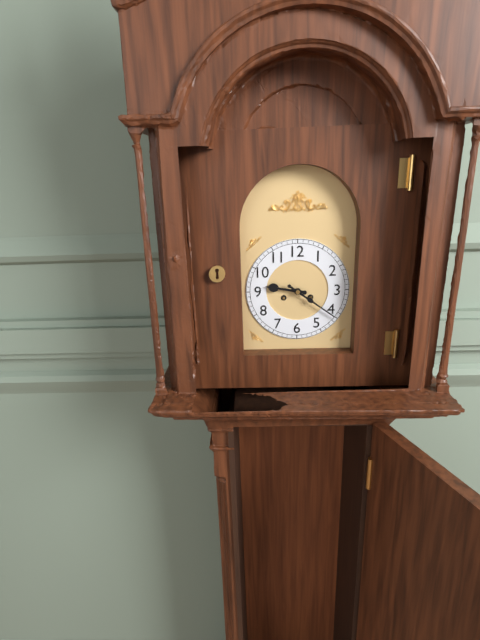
9:21
